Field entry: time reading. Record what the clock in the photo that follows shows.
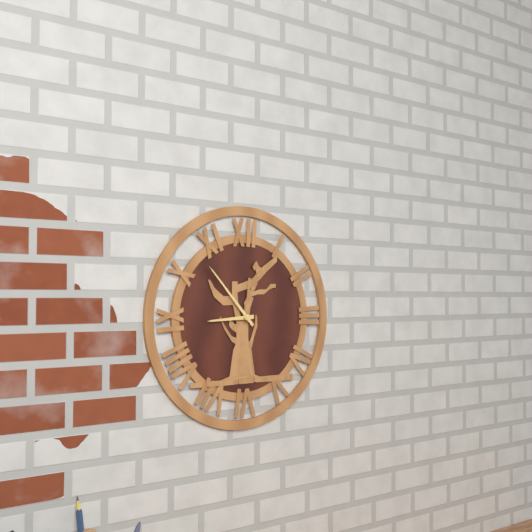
8:53
